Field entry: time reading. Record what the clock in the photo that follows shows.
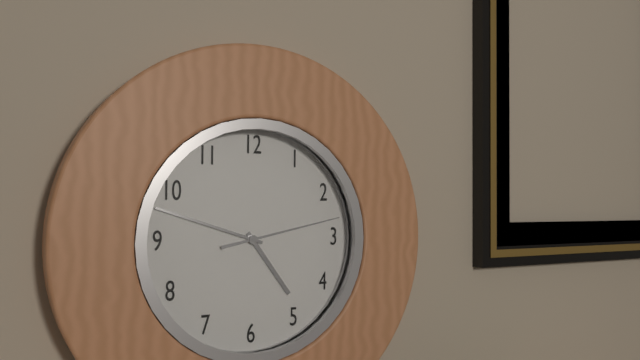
4:48:13
